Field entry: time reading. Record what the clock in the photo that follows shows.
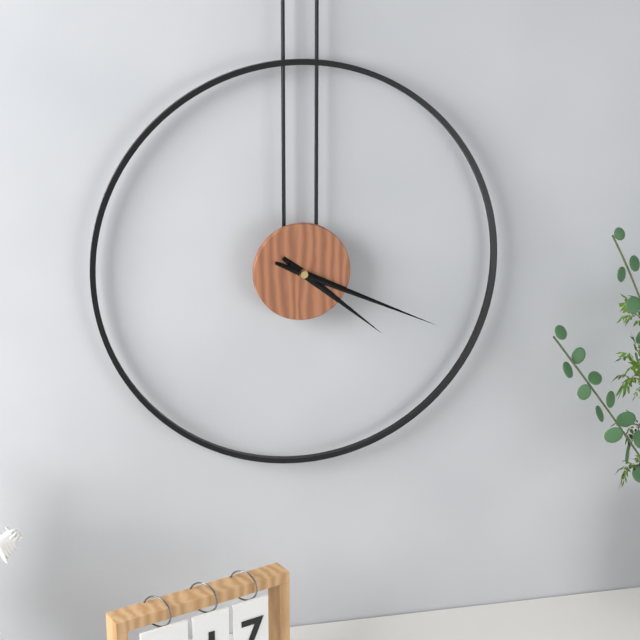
4:19
